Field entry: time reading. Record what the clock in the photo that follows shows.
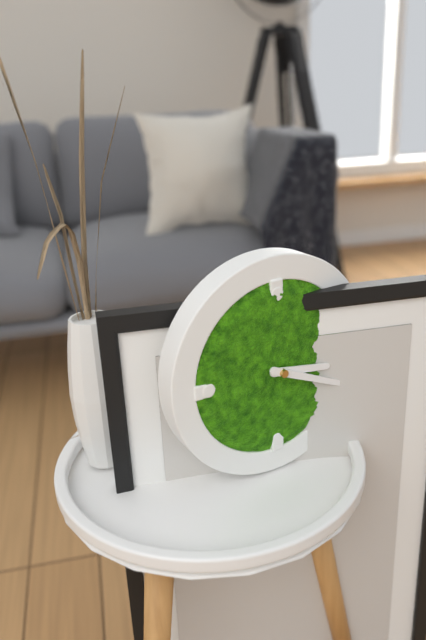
3:19
